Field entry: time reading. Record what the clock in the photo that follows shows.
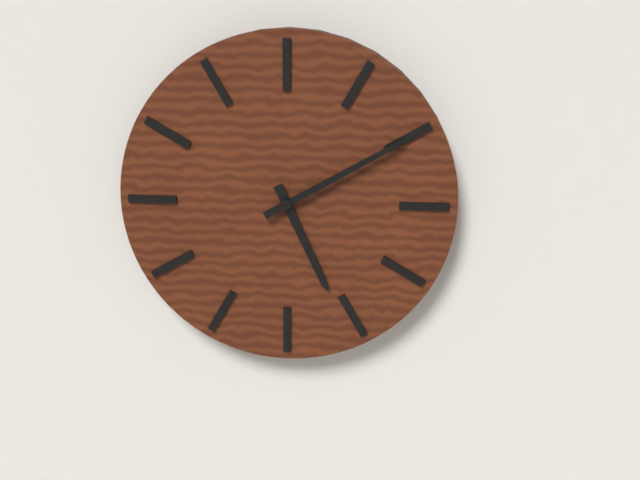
5:10
